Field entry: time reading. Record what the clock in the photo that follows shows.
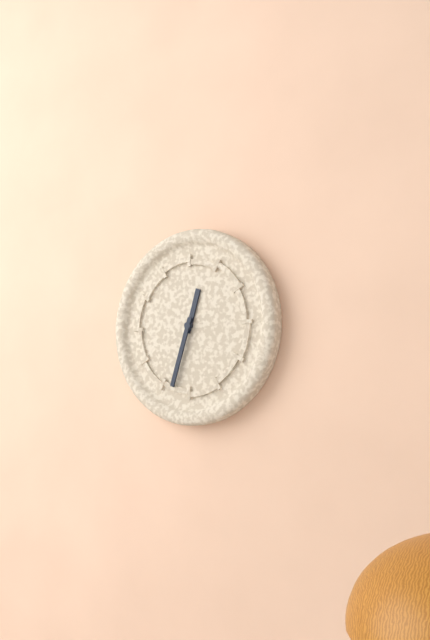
12:33
